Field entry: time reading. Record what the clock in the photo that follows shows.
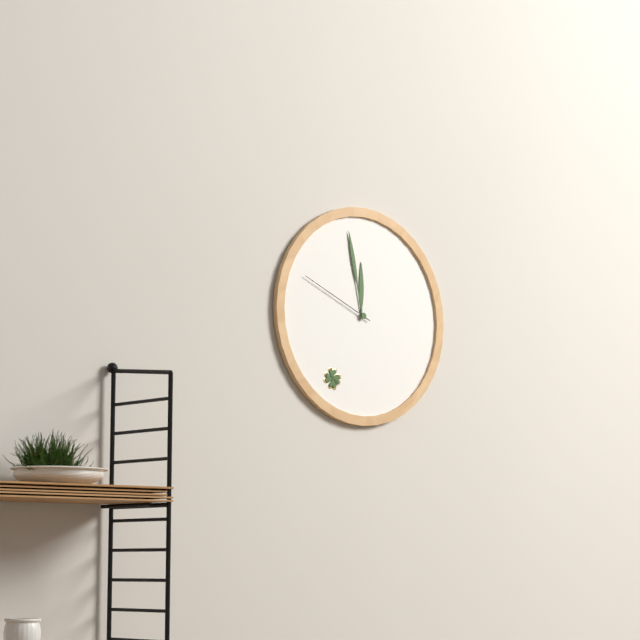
11:58:49
